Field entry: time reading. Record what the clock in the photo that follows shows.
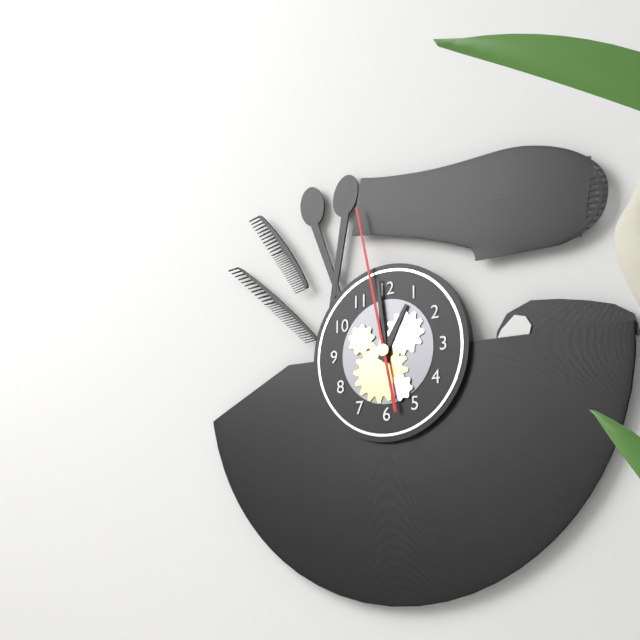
12:59:58
